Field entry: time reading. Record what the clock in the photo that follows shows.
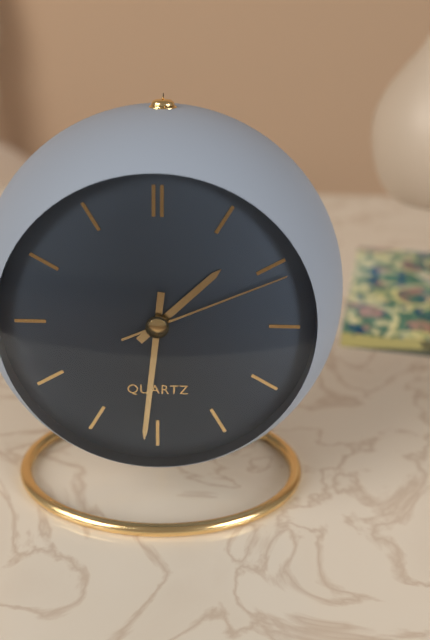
1:31:11
